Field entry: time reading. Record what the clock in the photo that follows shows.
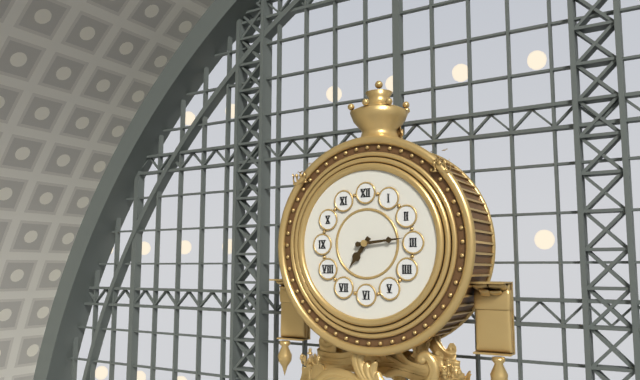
7:14
